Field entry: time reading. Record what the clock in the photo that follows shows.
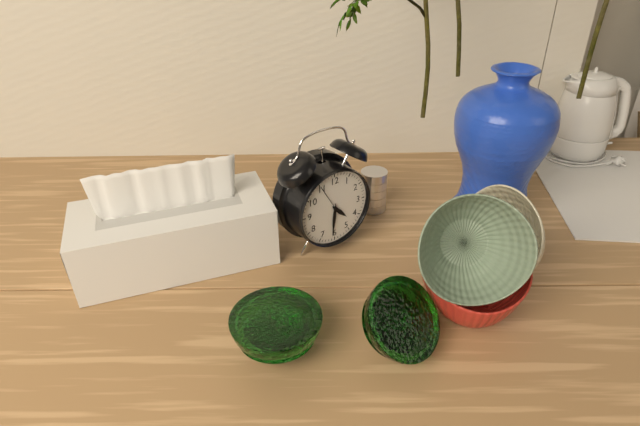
4:31
